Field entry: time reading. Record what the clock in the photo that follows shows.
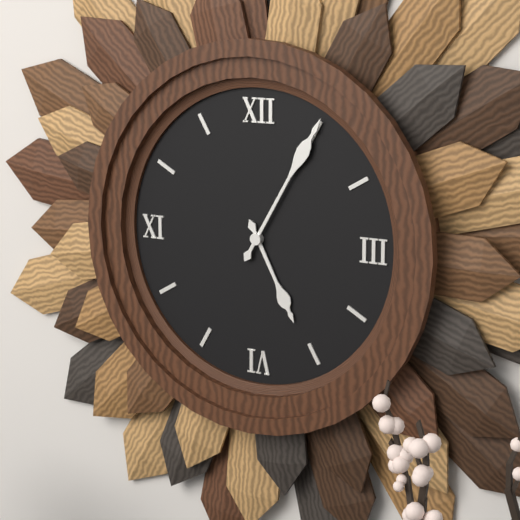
5:05
